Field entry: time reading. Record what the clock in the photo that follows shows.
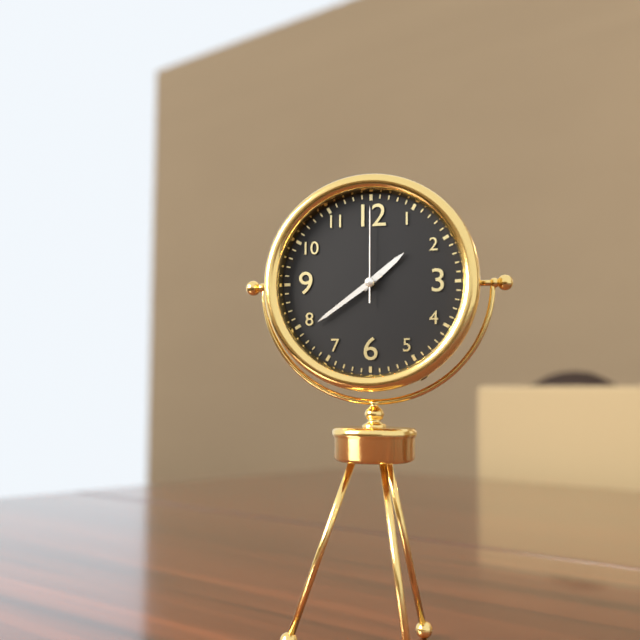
1:39:00
